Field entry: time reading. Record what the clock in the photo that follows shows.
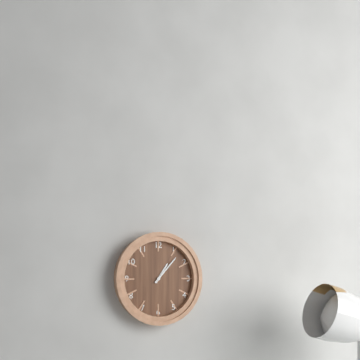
1:07
